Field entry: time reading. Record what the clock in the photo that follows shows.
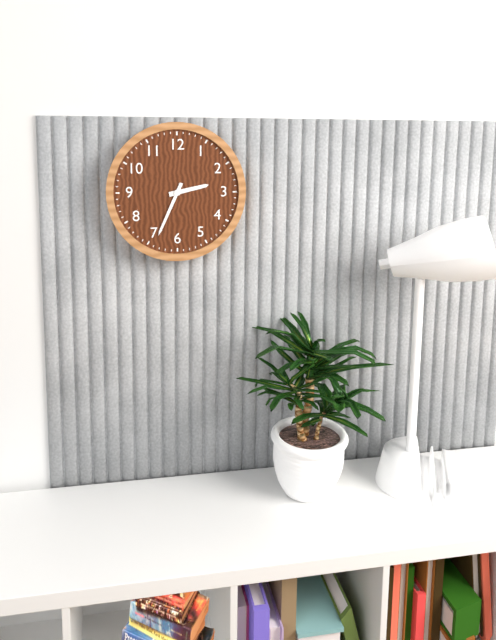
2:34
